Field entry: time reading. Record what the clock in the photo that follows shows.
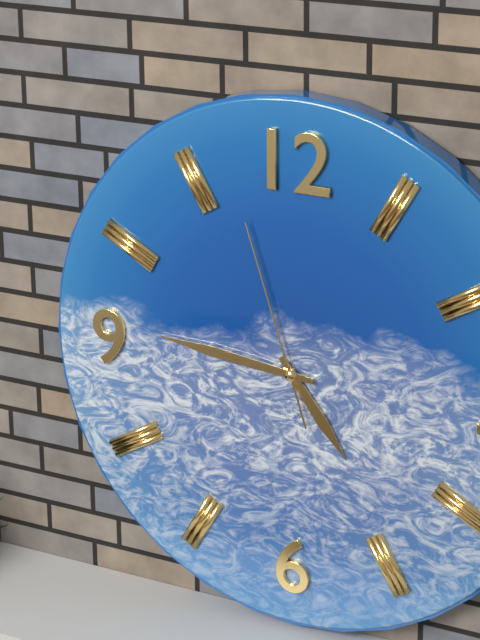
4:46:57
